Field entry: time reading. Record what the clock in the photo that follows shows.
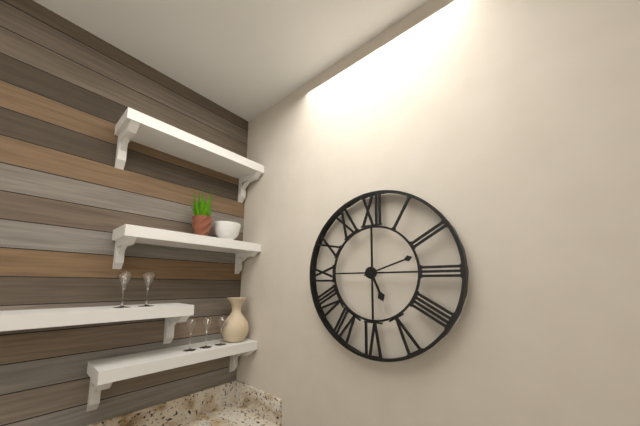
5:12
